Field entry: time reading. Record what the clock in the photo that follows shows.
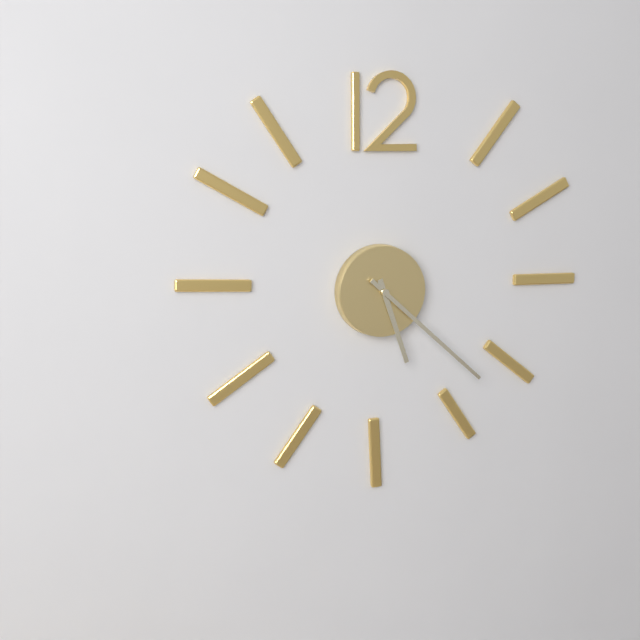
5:22
